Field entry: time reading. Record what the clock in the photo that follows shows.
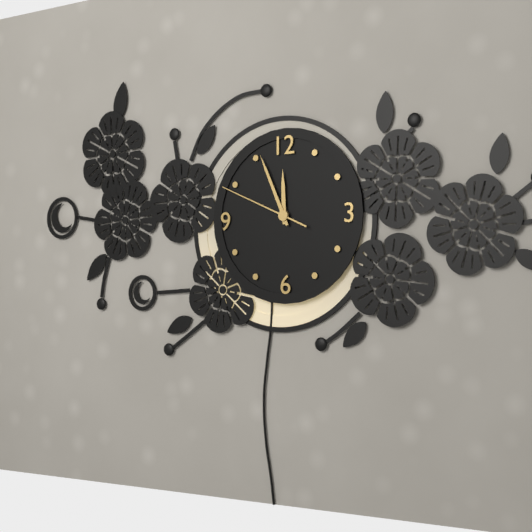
11:56:49
